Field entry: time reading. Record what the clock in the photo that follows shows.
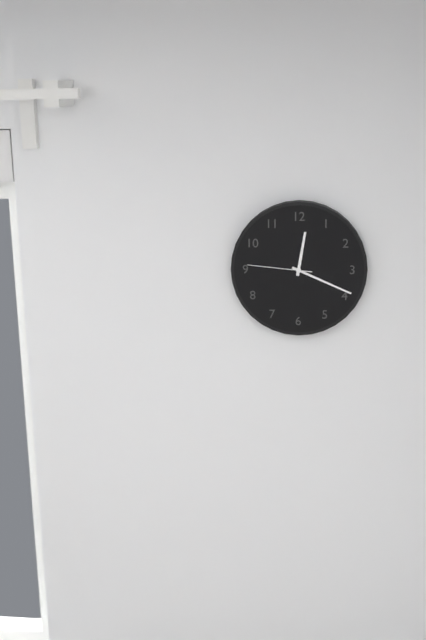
12:19:46
